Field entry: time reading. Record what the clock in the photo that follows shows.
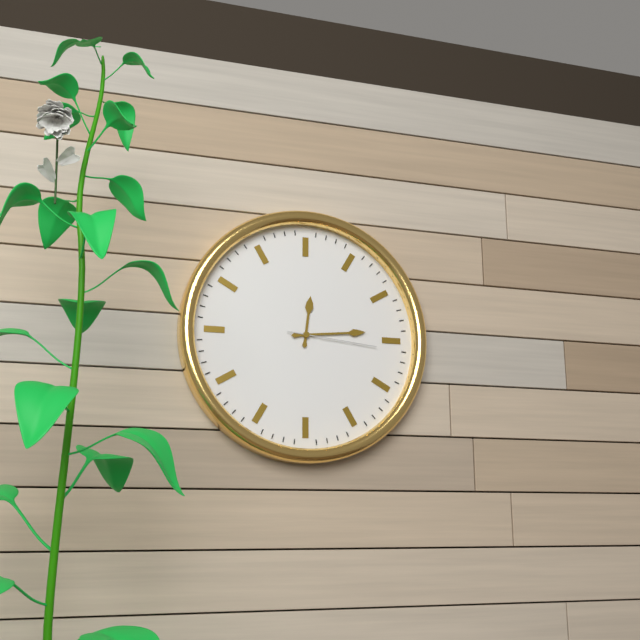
12:14:16
